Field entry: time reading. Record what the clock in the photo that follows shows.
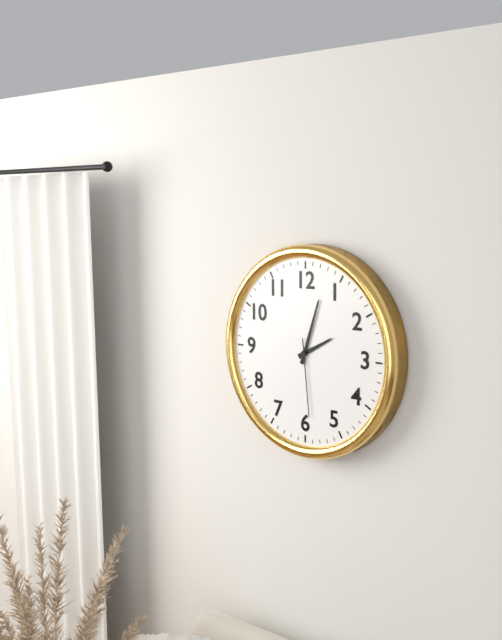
2:03:29
